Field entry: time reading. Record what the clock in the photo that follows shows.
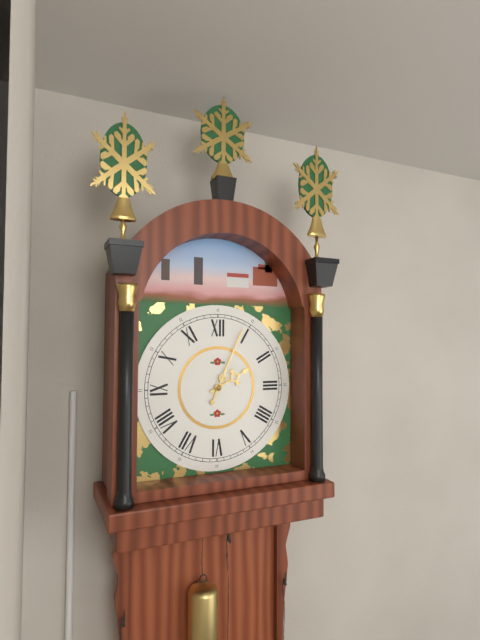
2:04
